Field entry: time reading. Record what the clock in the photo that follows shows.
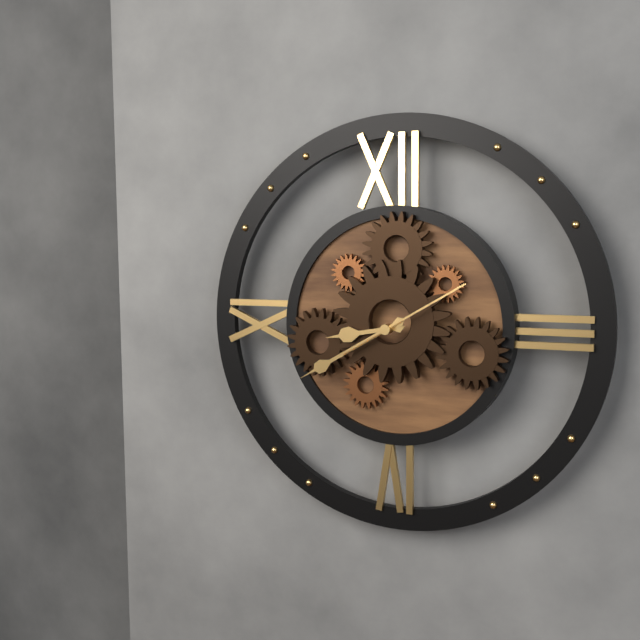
8:40:10
